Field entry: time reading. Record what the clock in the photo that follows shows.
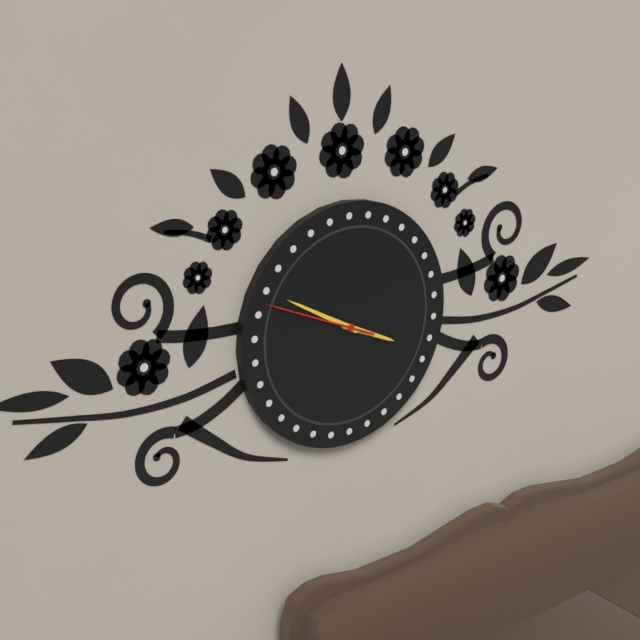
3:50:49
